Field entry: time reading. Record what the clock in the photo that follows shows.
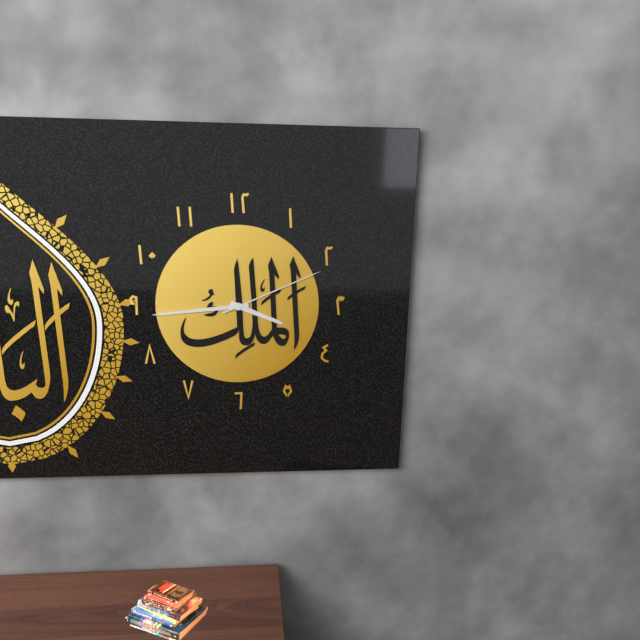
3:44:11
